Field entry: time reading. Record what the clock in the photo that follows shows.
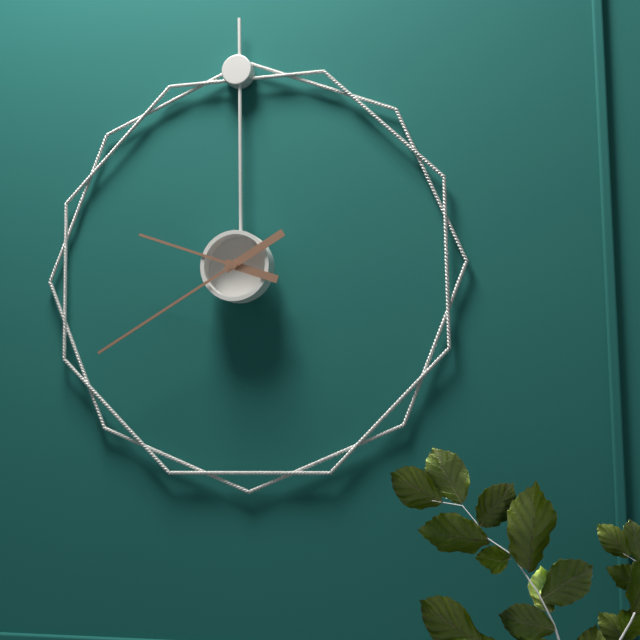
9:40
